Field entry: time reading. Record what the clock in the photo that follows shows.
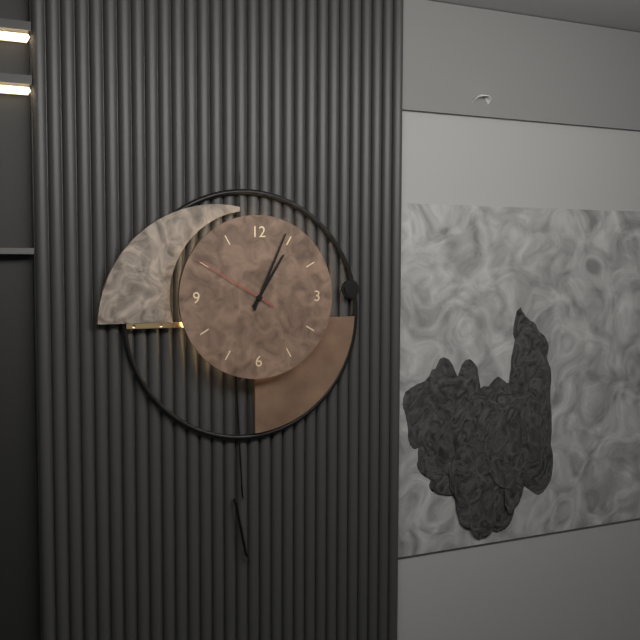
1:04:50
